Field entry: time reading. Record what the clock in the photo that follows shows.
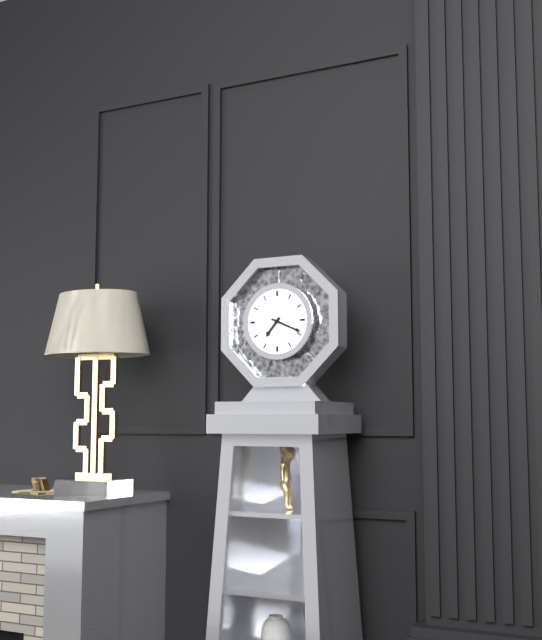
7:19
